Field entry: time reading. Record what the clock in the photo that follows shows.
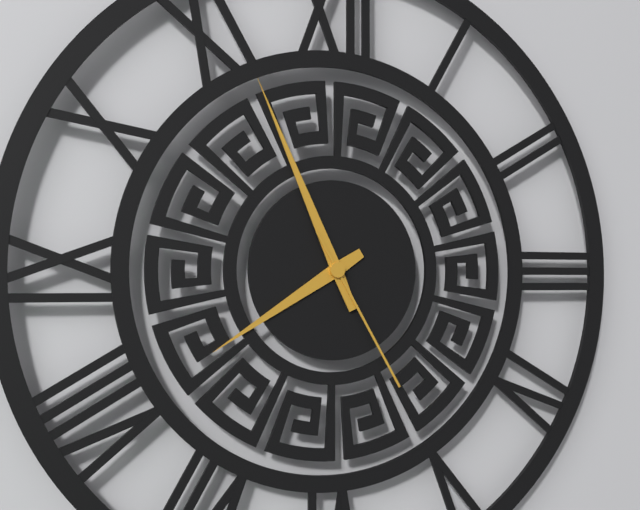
7:56:25
